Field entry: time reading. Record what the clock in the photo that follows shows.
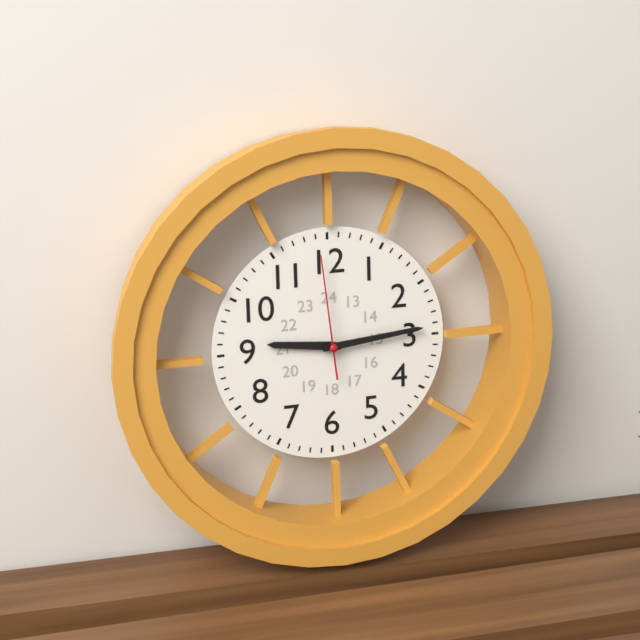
9:14:59
